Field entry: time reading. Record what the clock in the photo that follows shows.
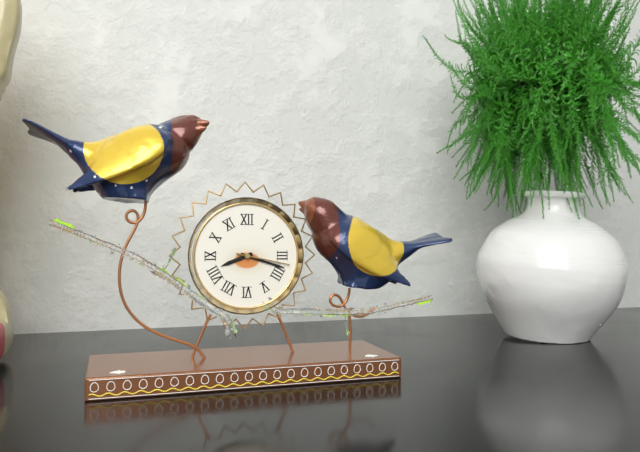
8:18:17
